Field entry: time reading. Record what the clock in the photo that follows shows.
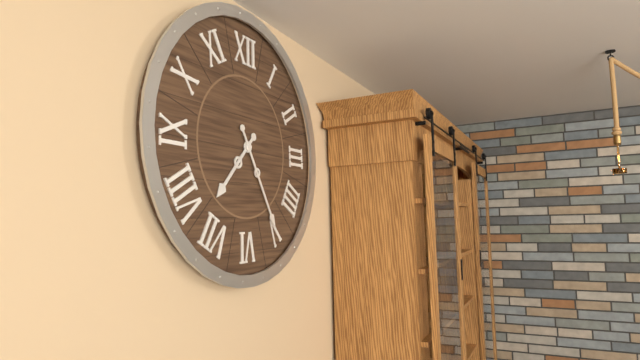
7:25
